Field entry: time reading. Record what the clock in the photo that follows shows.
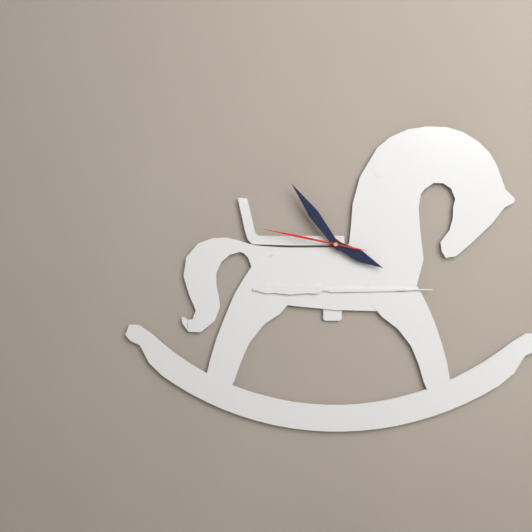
3:54:47
